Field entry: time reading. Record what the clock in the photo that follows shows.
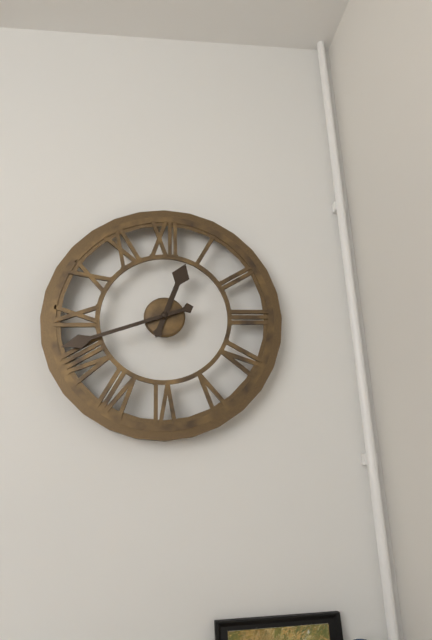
12:42
